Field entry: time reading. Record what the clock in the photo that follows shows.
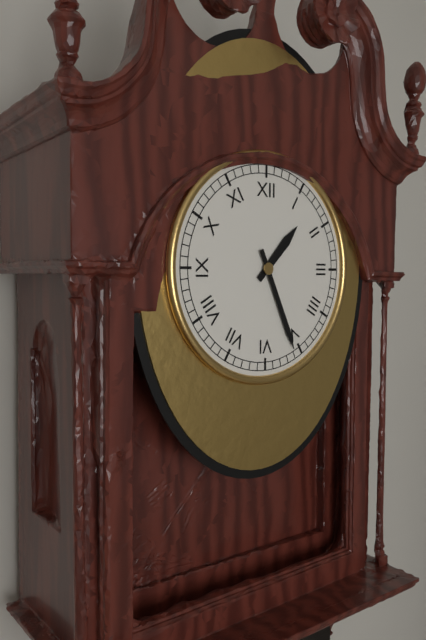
1:26
